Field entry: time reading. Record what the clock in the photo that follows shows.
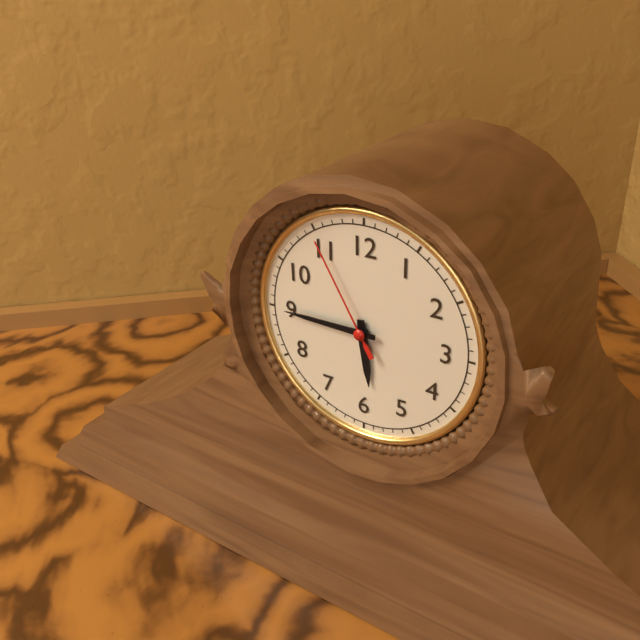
5:45:55
